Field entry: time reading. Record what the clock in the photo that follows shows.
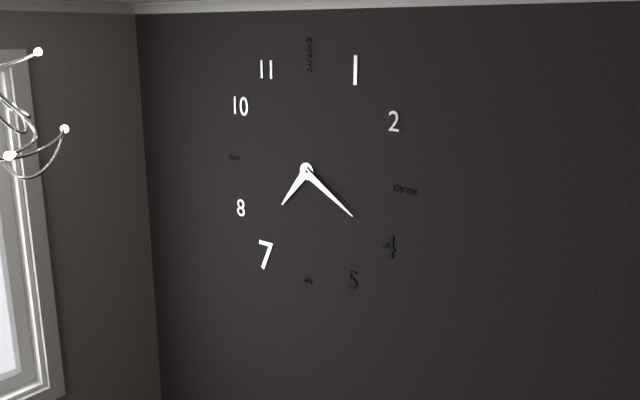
7:20
